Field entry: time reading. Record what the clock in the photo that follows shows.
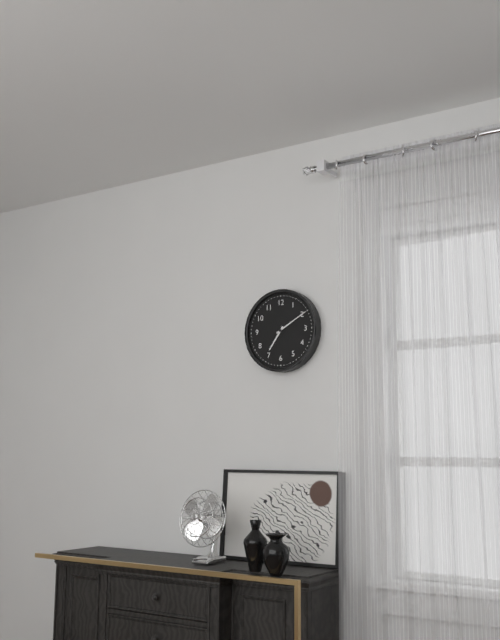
7:10
